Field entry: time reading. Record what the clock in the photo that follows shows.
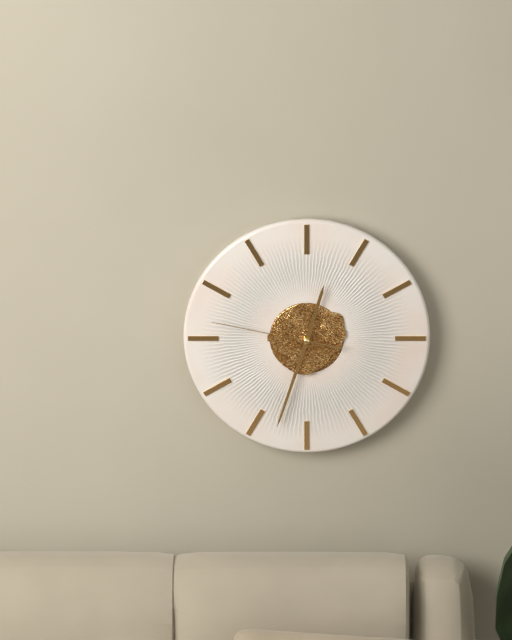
12:33:47
